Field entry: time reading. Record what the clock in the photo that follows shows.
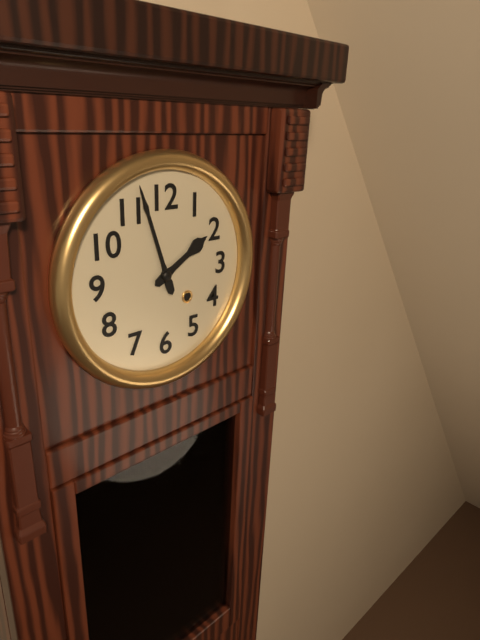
1:57
